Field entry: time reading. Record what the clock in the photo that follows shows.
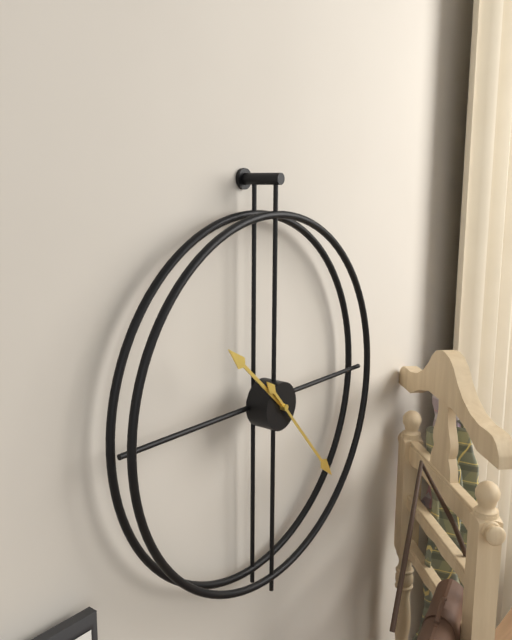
10:23
